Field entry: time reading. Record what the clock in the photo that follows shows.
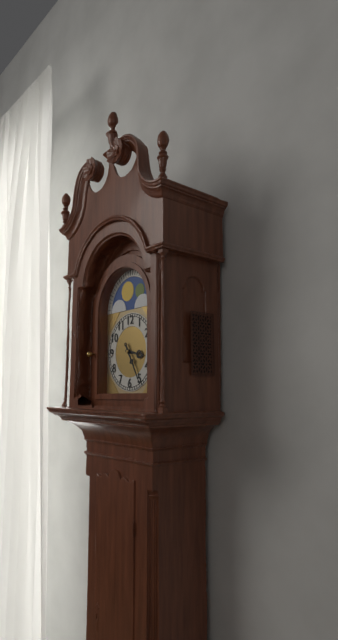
3:25
